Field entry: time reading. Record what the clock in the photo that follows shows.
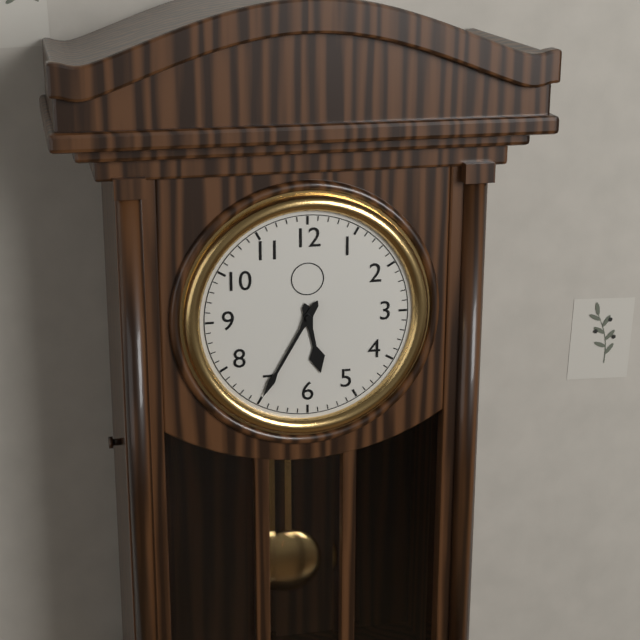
5:35
